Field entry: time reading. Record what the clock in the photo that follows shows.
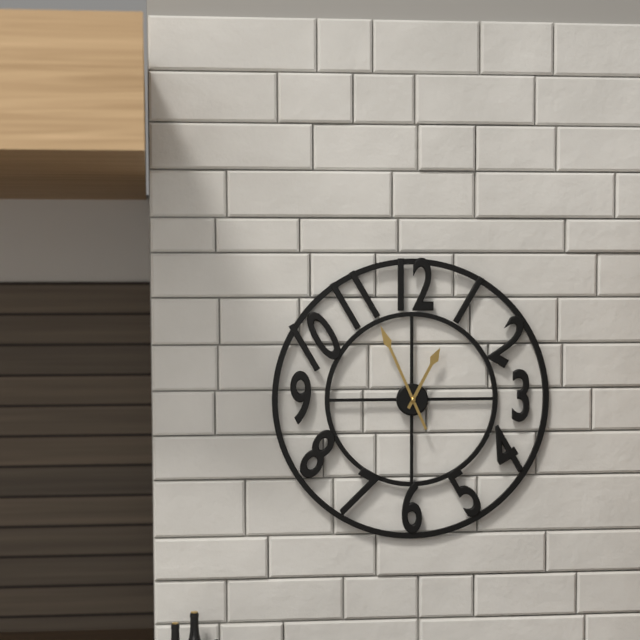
12:56
